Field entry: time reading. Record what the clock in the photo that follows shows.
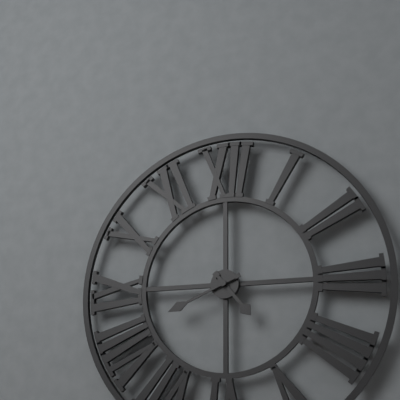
4:41
